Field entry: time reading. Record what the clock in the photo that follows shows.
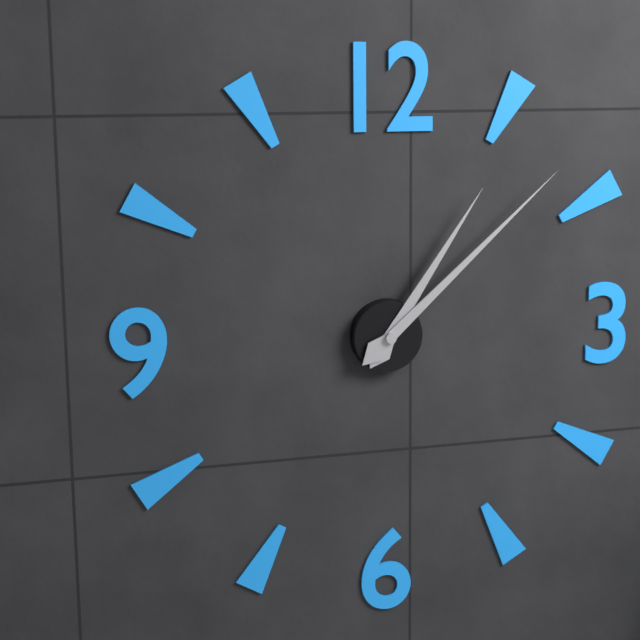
1:08
